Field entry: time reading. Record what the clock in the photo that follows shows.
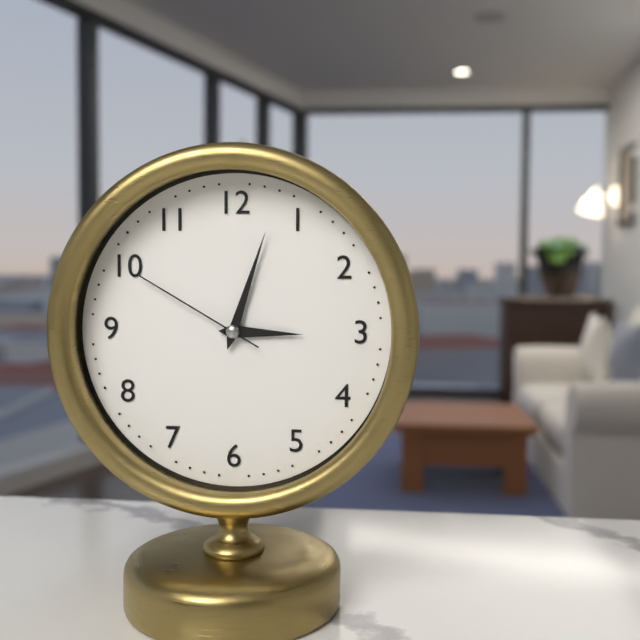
3:03:50
